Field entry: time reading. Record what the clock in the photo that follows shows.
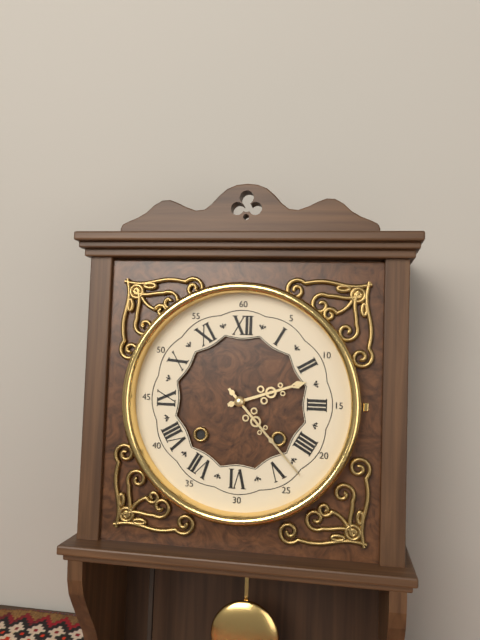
2:23
